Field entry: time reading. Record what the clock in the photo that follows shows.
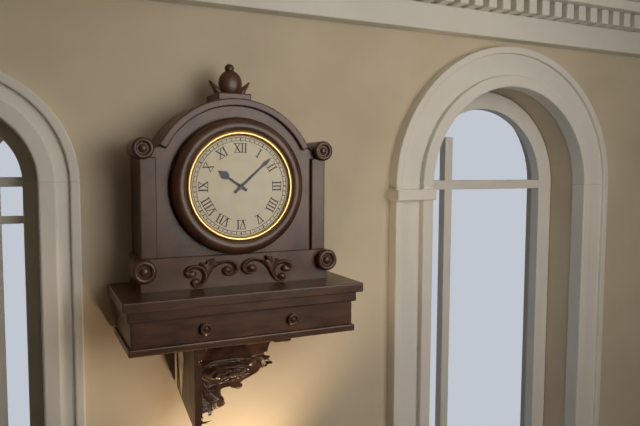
10:08
